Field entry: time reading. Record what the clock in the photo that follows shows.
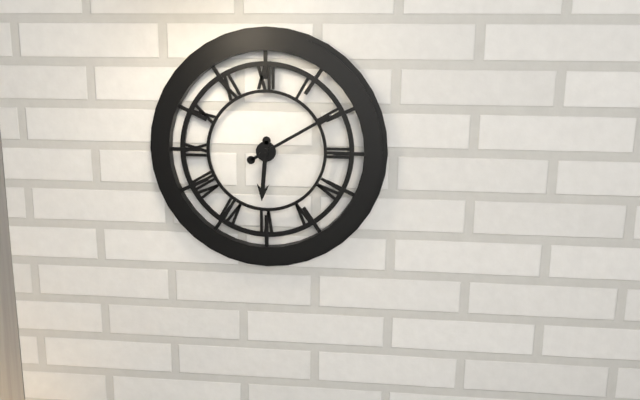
6:10
